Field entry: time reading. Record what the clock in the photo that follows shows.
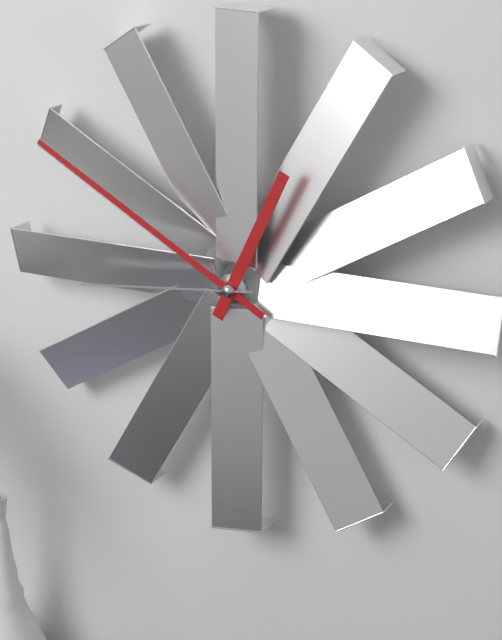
12:50:44
